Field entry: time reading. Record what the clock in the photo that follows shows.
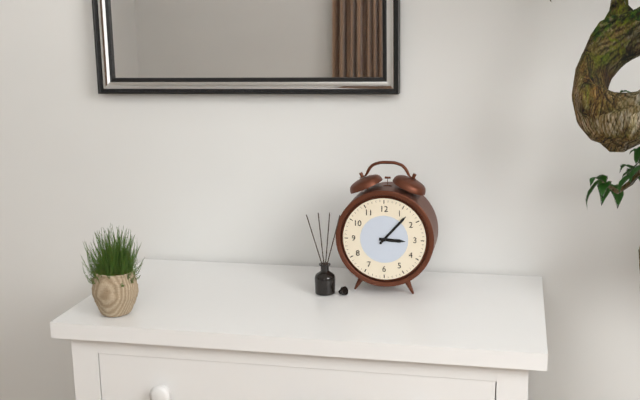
3:07
